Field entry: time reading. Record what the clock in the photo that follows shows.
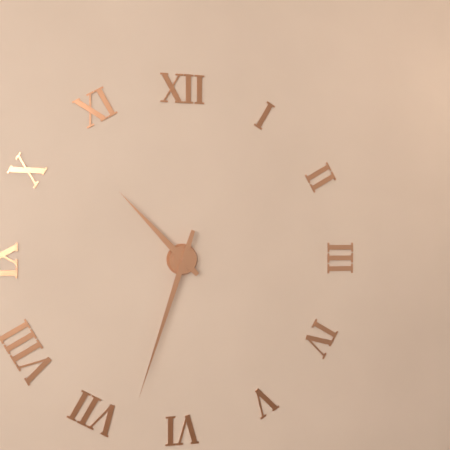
10:33
